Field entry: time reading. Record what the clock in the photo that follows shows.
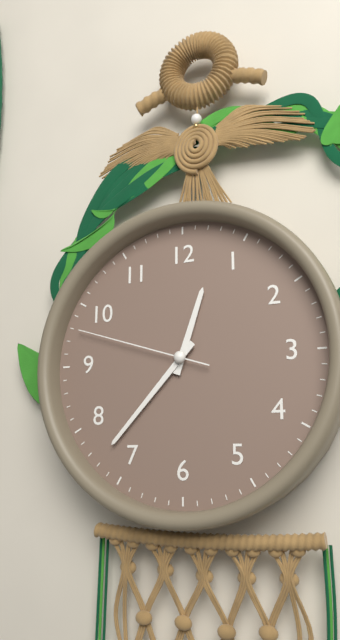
12:37:48
